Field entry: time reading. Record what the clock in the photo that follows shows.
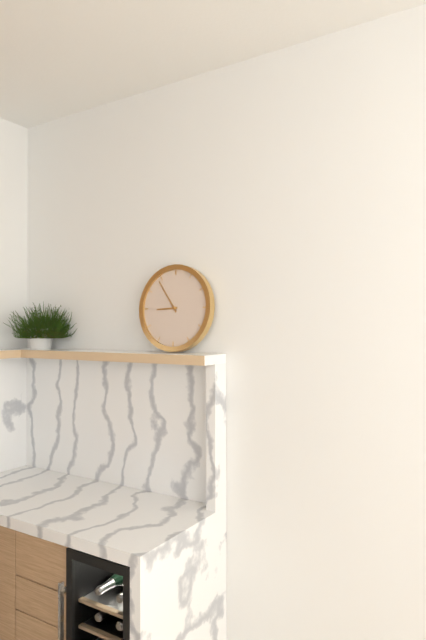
8:54
